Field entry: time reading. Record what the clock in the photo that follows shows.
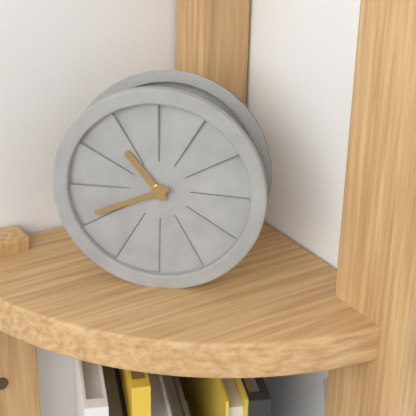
10:41
